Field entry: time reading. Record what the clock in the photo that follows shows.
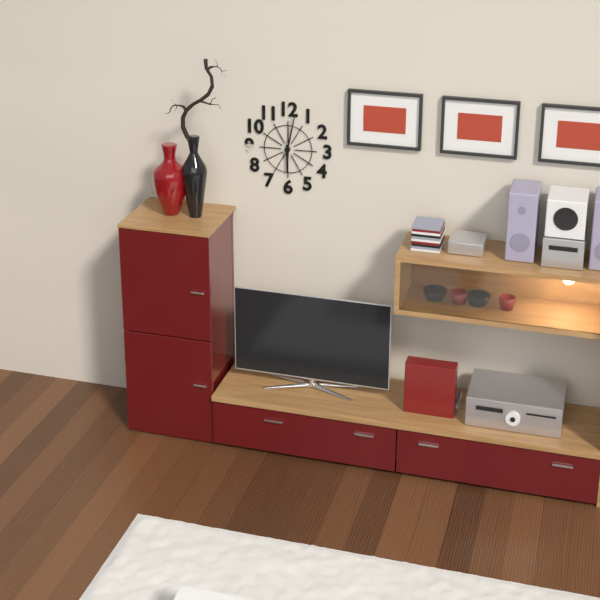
6:02
